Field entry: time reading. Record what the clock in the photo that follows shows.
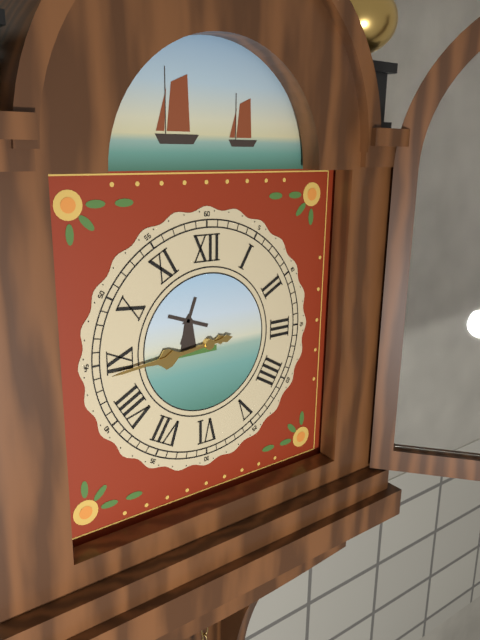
8:44
